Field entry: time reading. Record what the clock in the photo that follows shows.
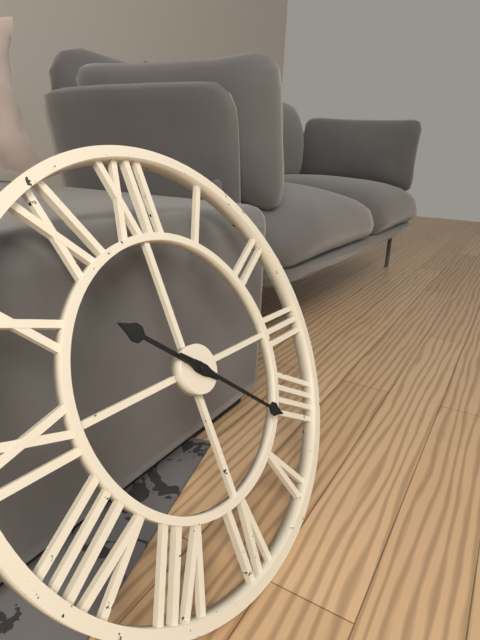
10:22
